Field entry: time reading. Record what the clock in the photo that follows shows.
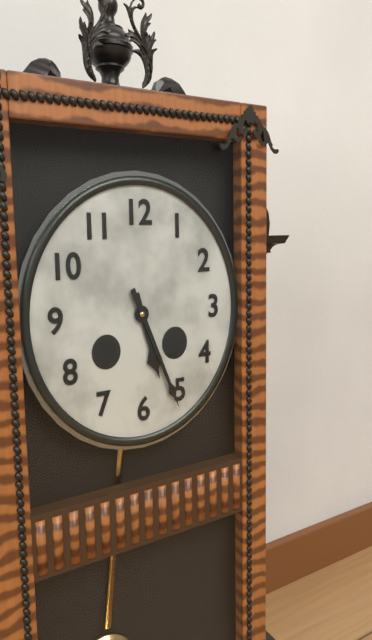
5:26
